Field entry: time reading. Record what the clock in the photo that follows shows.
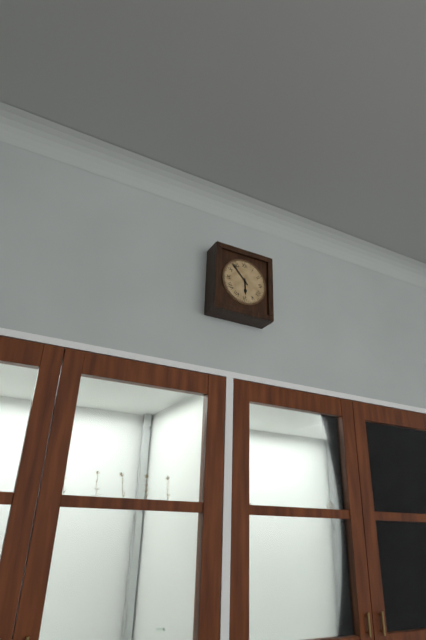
5:53
